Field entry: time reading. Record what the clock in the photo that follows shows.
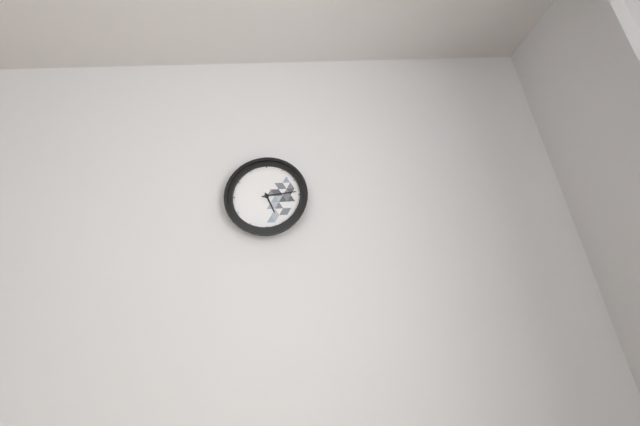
5:14
